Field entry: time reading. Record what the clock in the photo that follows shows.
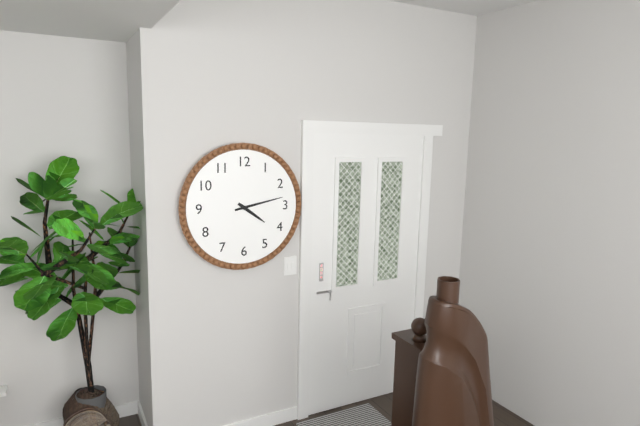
4:13
